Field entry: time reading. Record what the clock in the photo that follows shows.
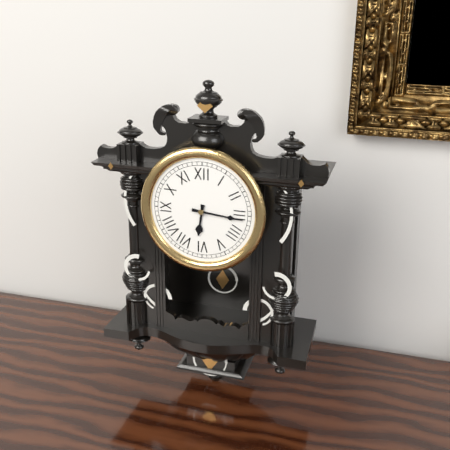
6:16
